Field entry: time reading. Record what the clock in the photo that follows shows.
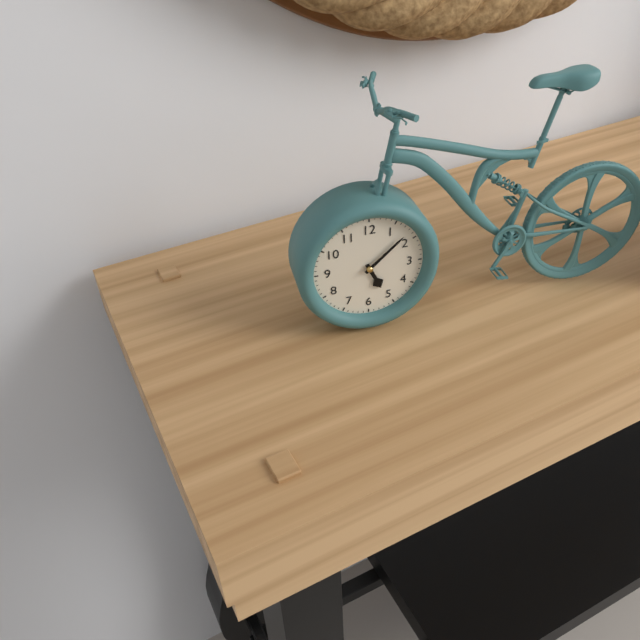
5:08
